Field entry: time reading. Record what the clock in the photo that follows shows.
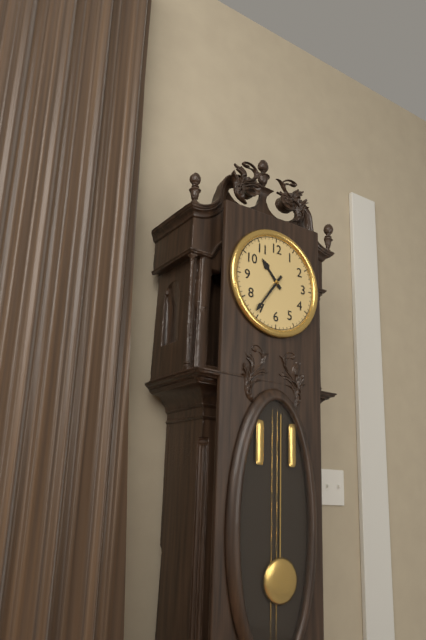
10:36
